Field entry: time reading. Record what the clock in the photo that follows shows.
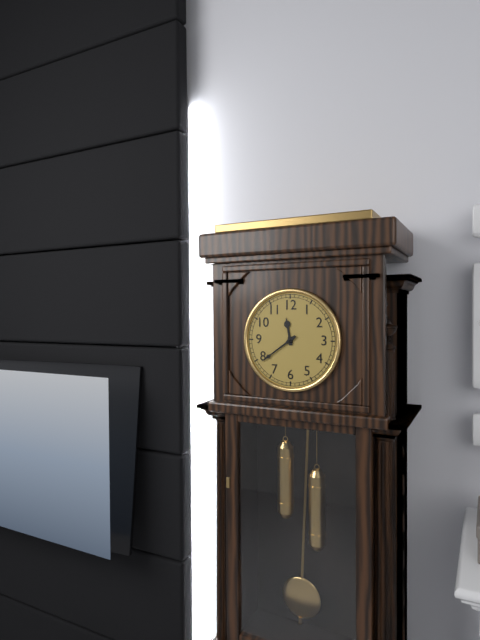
11:39
